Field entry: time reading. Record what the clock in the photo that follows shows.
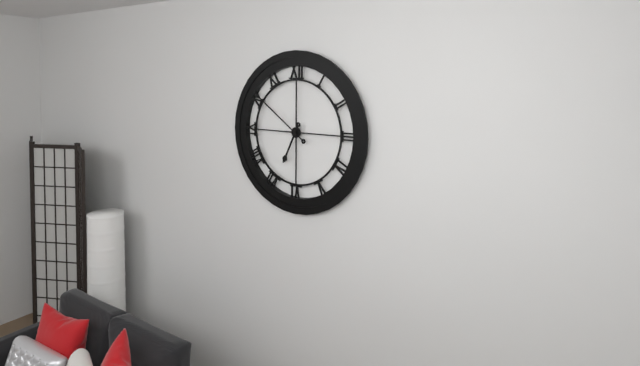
6:51
